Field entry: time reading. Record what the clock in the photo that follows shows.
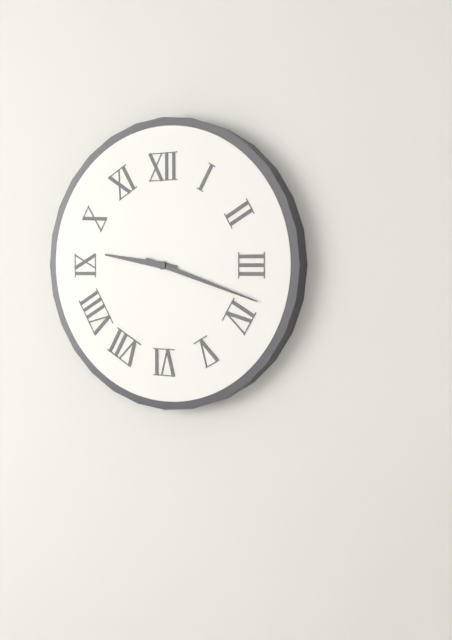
9:18
